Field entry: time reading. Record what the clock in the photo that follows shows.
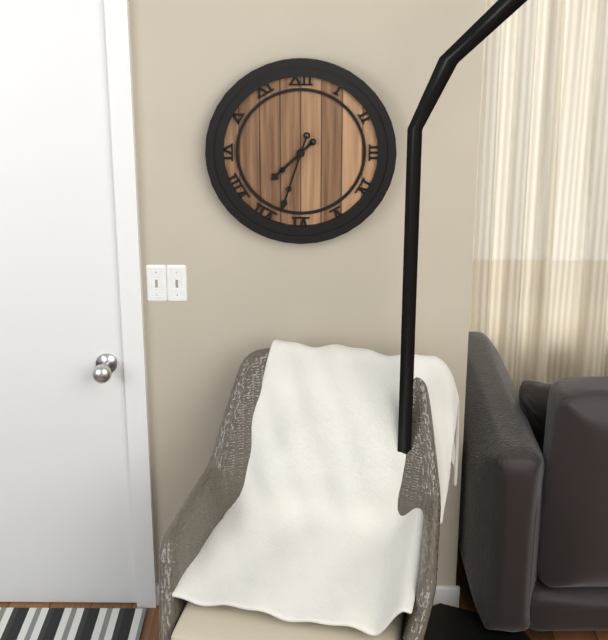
7:33
